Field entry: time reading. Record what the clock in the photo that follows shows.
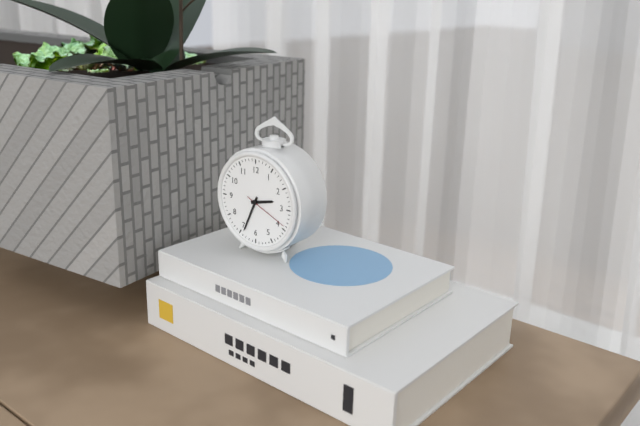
2:34
